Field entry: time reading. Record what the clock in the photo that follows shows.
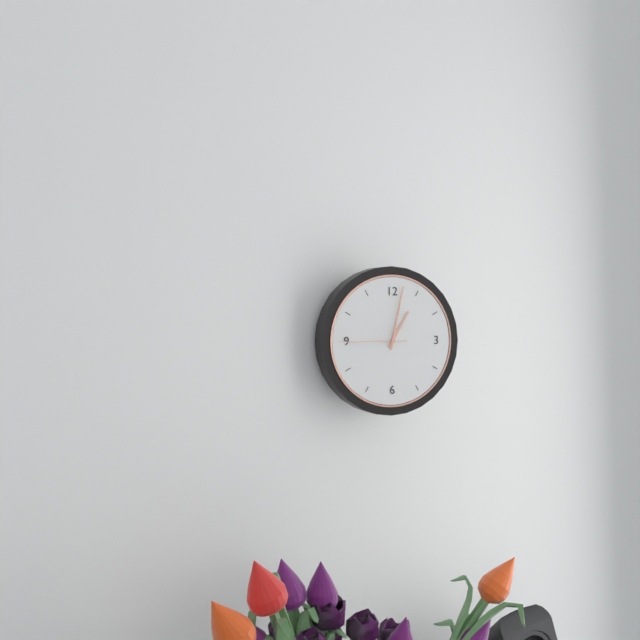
1:02:45
